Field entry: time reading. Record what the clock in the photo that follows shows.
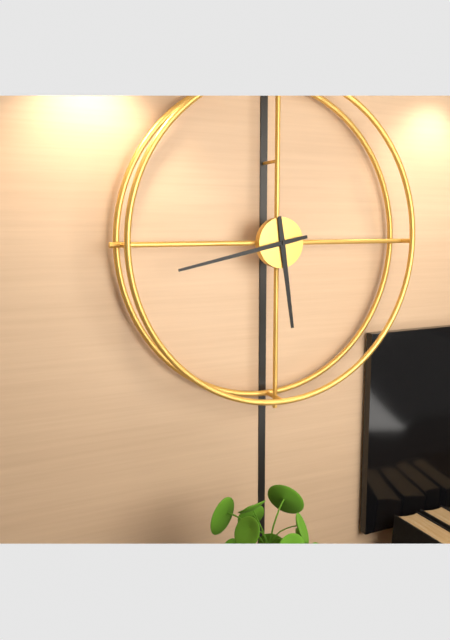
5:43
